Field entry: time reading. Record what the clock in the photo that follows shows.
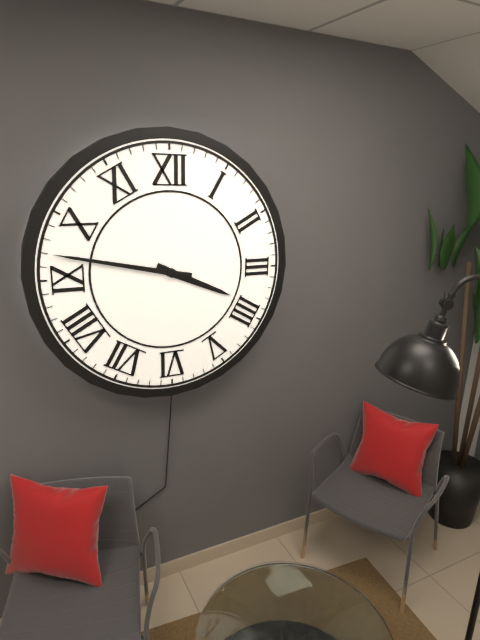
3:47
